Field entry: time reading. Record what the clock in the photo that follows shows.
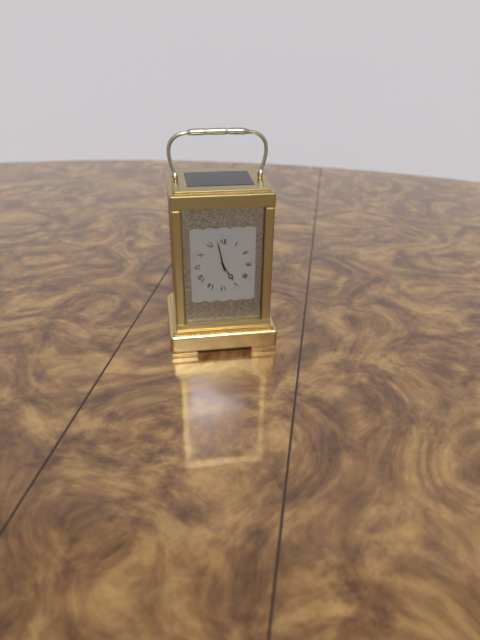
4:58
